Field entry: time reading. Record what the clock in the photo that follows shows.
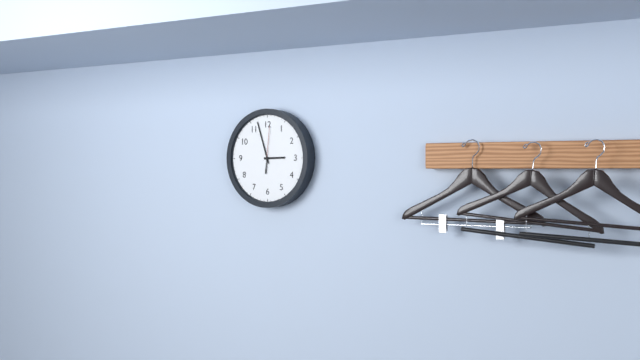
2:57
